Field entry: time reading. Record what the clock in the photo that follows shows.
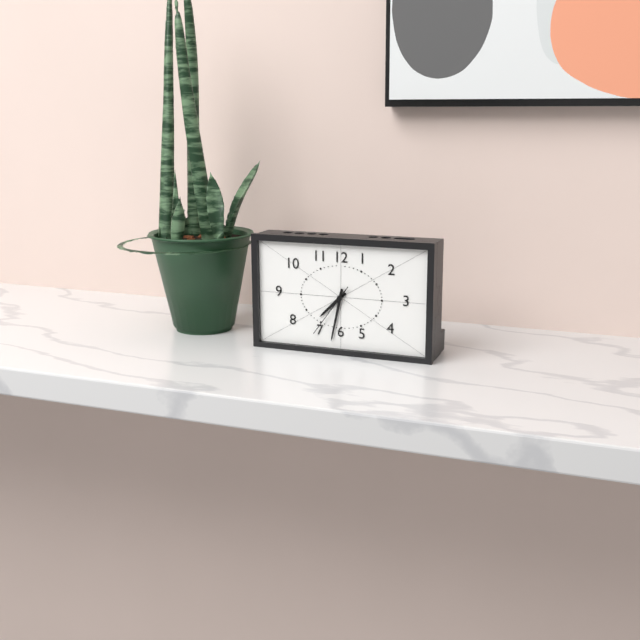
7:32:36
